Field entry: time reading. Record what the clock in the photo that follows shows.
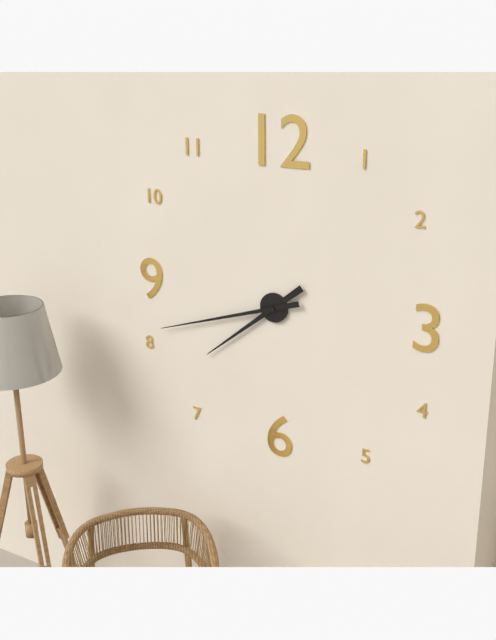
7:42
